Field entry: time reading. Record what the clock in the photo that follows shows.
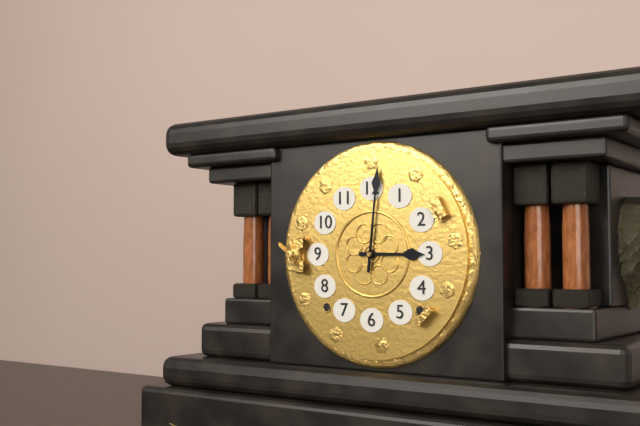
3:01
